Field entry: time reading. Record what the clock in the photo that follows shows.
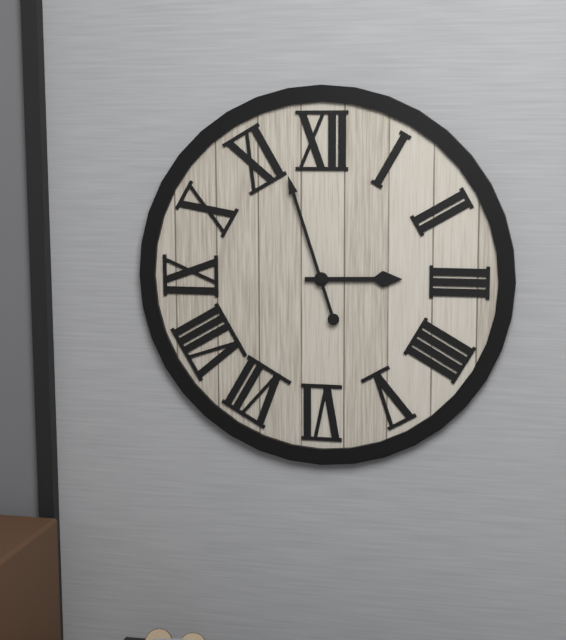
2:57
